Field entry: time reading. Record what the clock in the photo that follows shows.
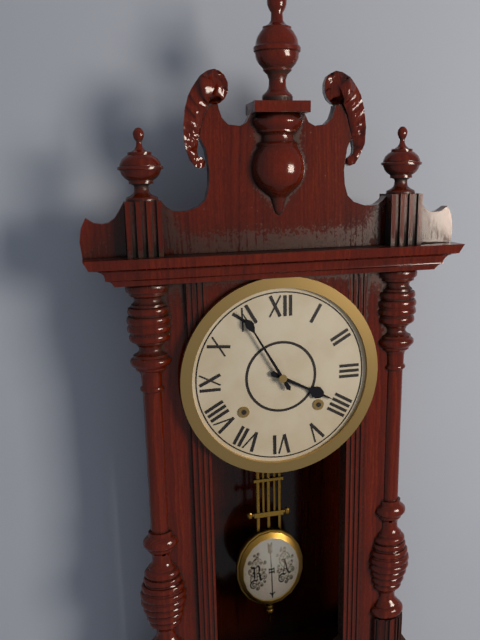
3:55
